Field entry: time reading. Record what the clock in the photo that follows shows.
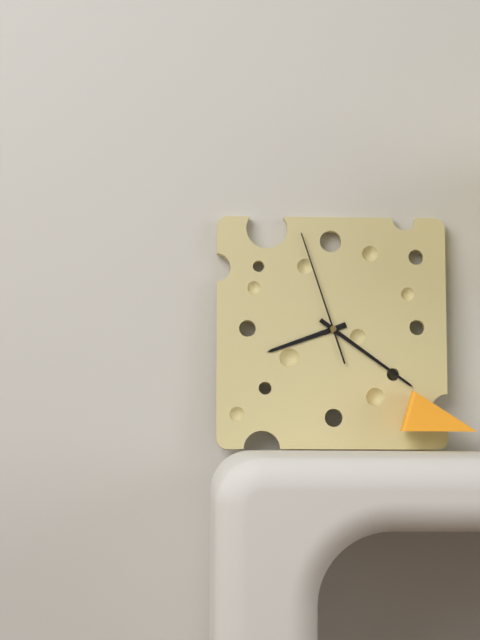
8:21:57
